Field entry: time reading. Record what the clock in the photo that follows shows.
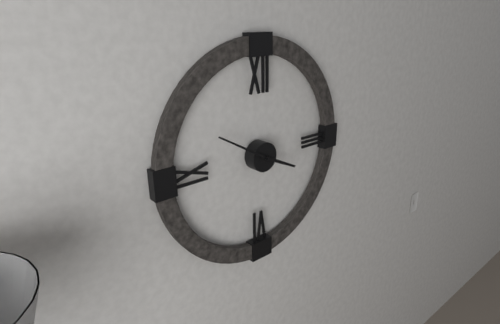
3:50
